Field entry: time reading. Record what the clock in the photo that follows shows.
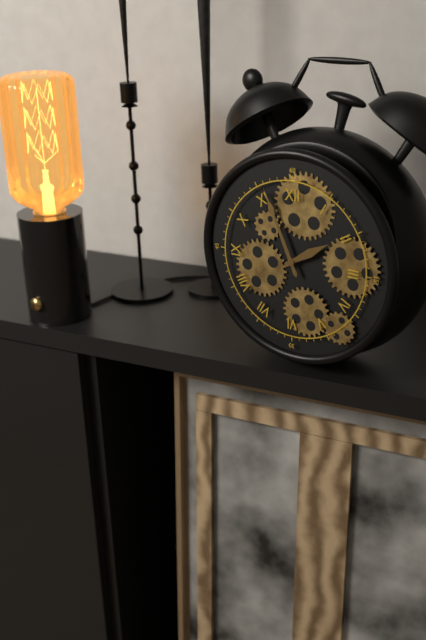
1:56
